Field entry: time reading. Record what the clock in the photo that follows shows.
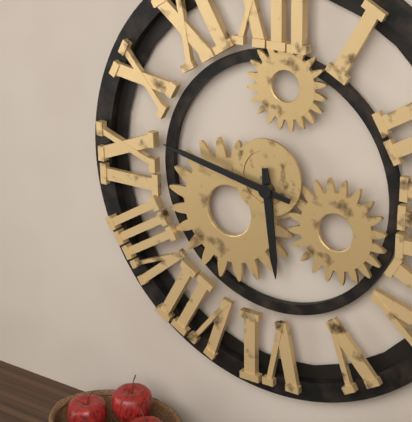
5:47
